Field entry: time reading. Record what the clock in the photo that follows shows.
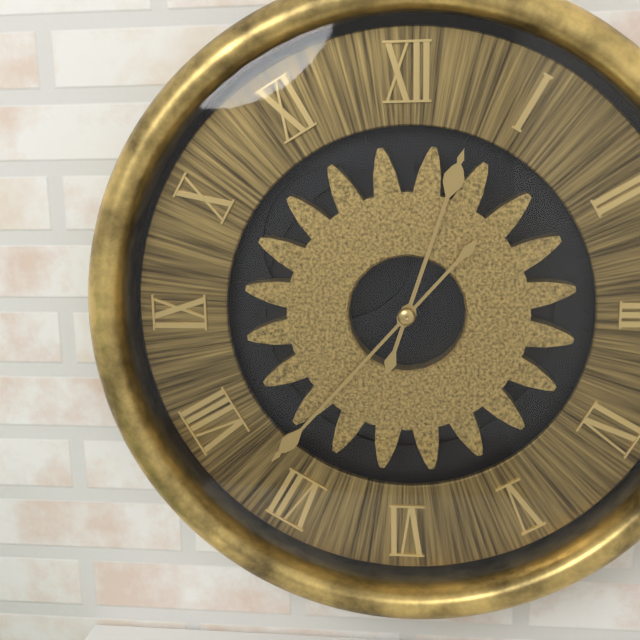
12:37
